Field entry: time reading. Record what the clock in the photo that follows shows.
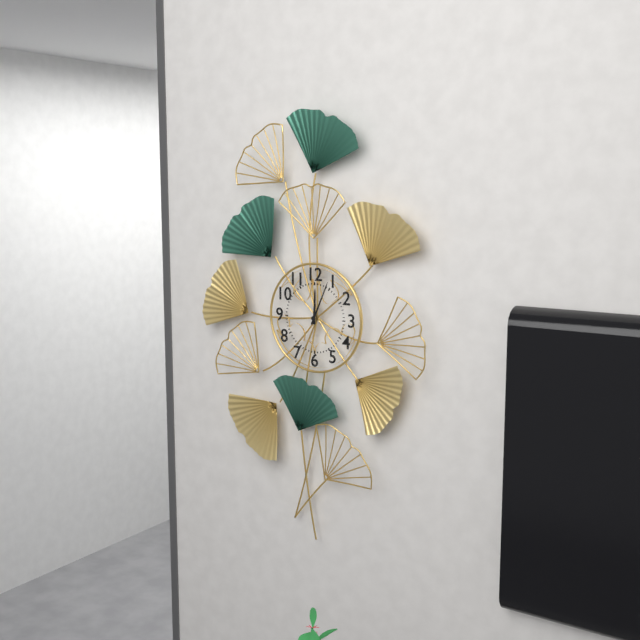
12:04
